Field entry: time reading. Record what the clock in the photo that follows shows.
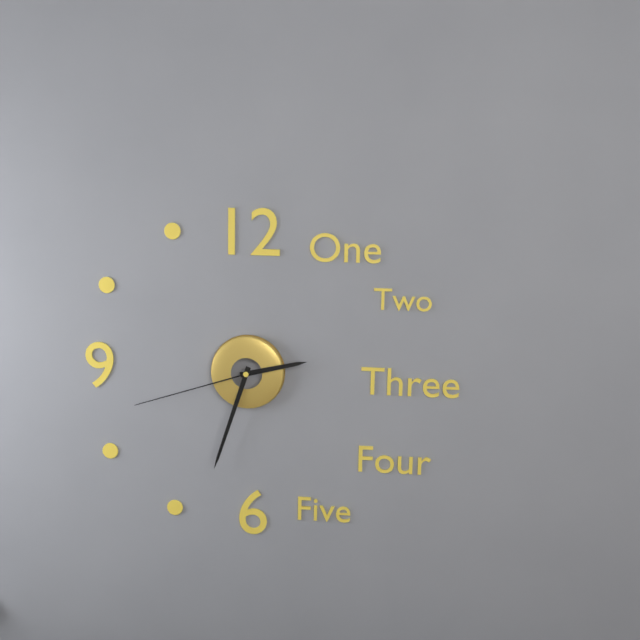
2:33:42
